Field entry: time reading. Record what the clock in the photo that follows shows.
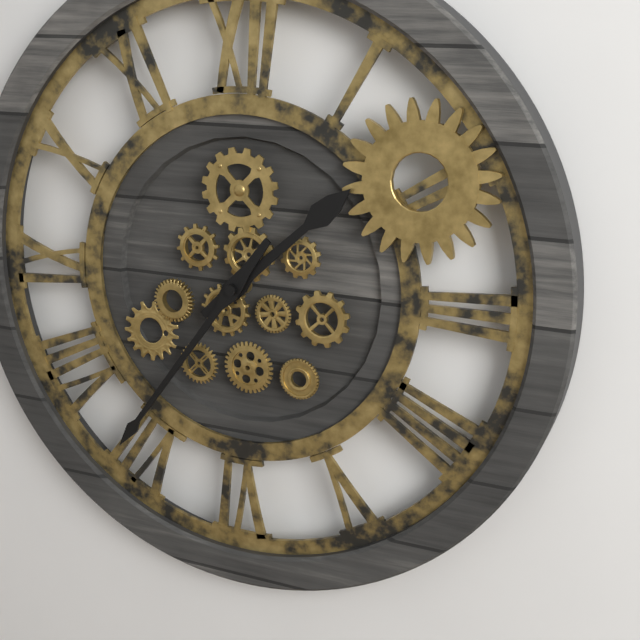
1:36
